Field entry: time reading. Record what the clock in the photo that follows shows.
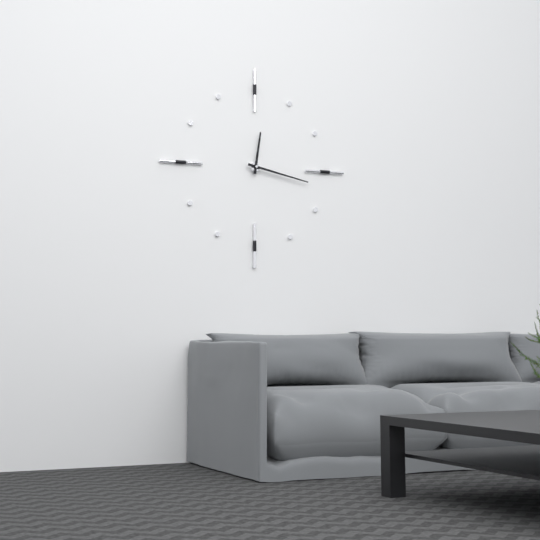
12:17
